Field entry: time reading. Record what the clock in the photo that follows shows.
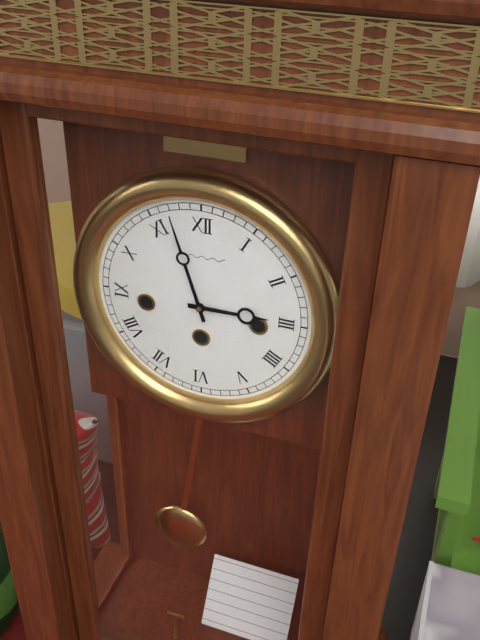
2:57
